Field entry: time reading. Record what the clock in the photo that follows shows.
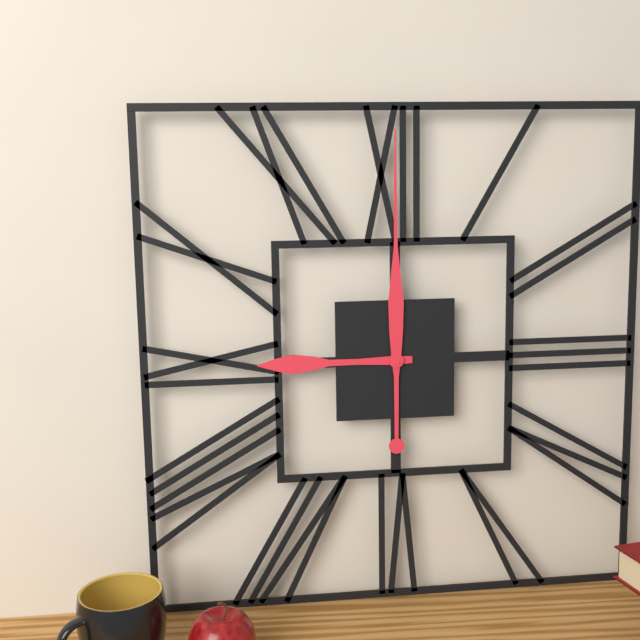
9:00
